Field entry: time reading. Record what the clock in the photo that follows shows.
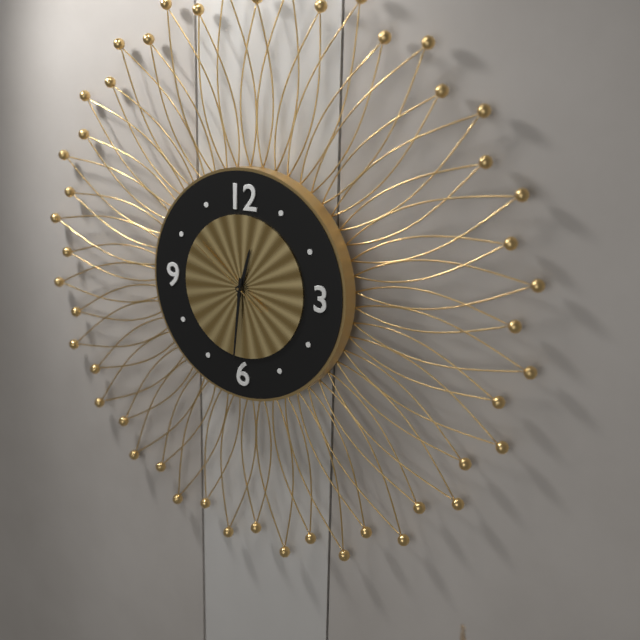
12:31:51
